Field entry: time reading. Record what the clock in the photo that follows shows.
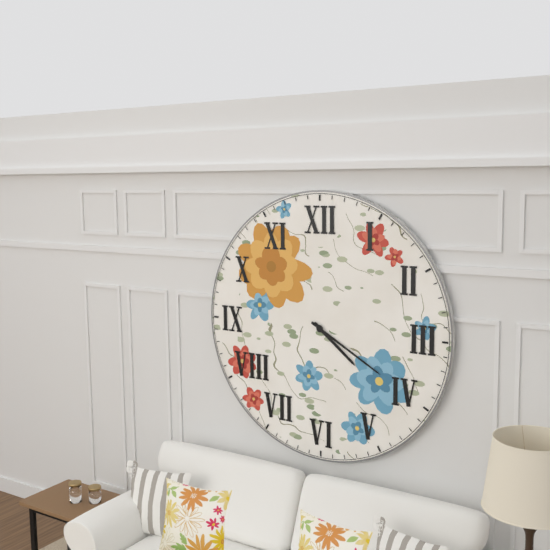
4:20
